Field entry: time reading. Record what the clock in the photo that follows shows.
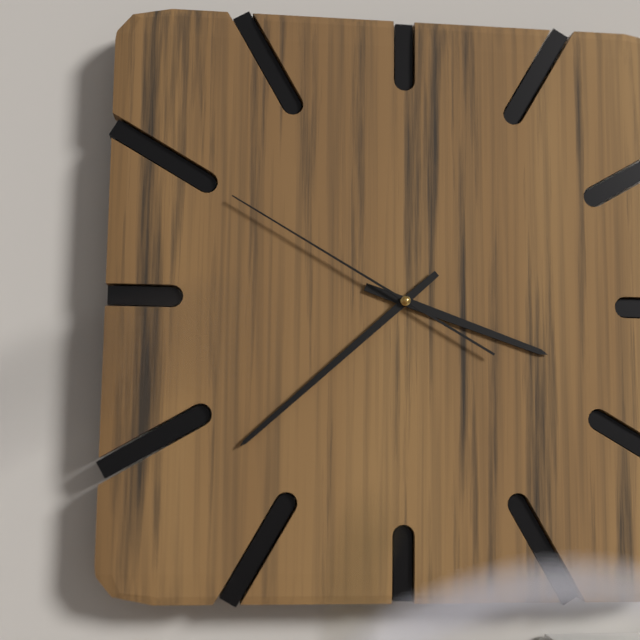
3:38:50
